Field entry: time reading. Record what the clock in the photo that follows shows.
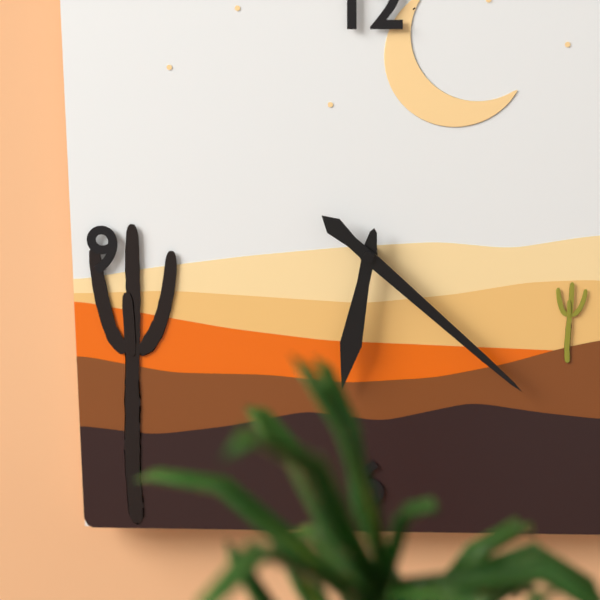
6:22
